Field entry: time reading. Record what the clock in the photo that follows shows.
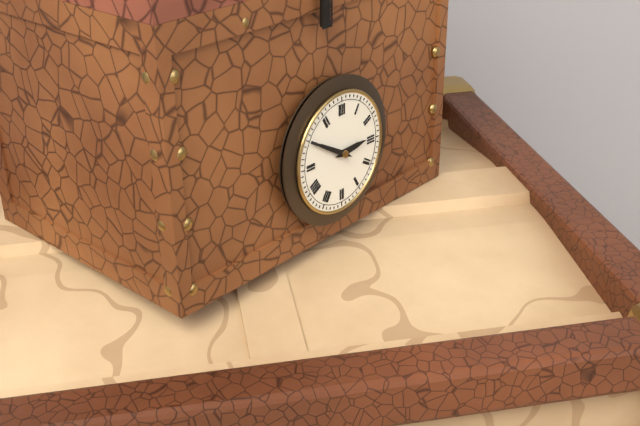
2:50
